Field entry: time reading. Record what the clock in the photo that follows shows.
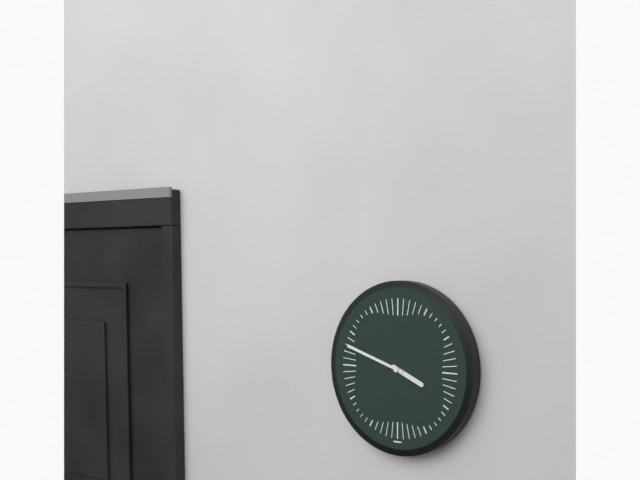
3:48
